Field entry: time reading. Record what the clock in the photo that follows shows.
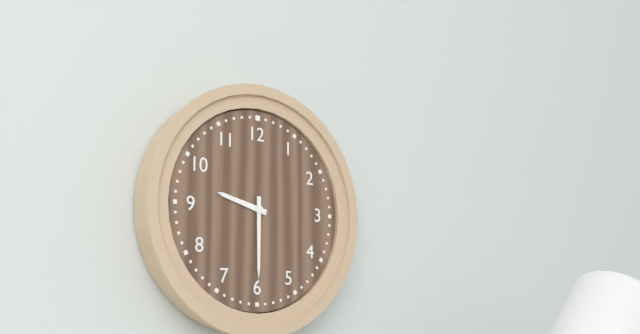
9:30
